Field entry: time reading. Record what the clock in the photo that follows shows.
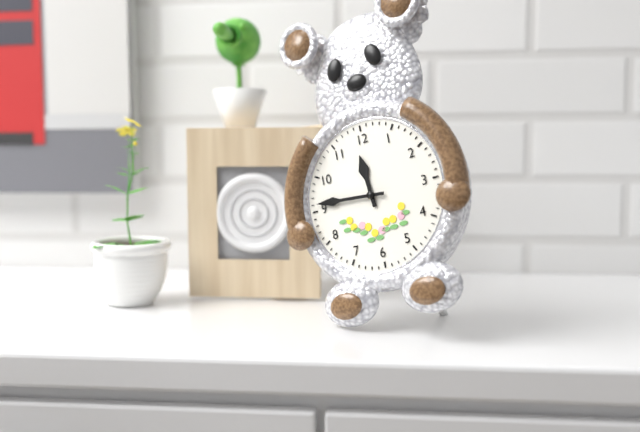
11:46
